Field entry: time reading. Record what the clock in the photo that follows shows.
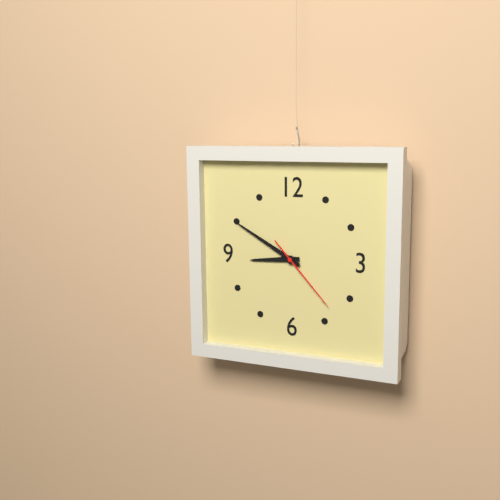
8:50:23
